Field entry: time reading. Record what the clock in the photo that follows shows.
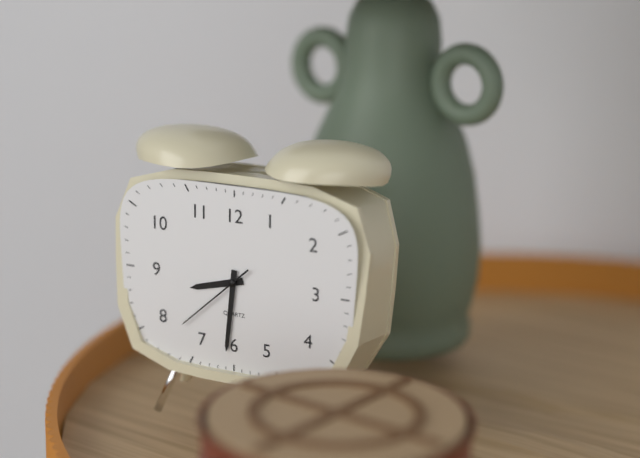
8:31:38
